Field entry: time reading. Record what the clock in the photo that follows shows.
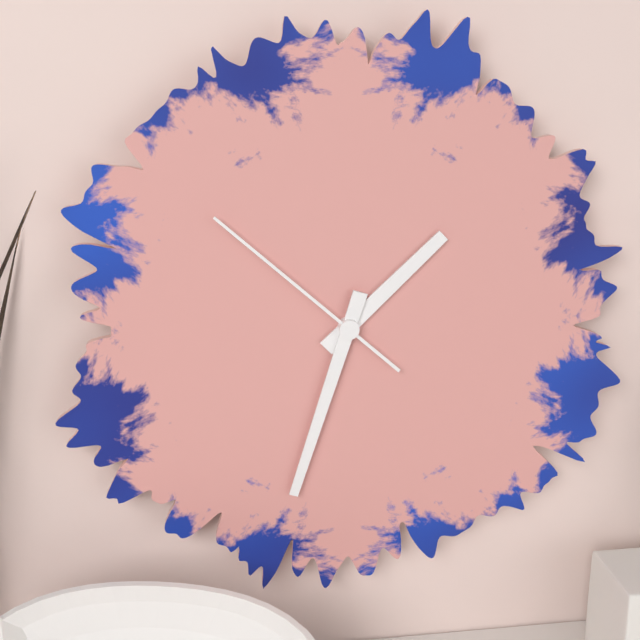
1:33:52
